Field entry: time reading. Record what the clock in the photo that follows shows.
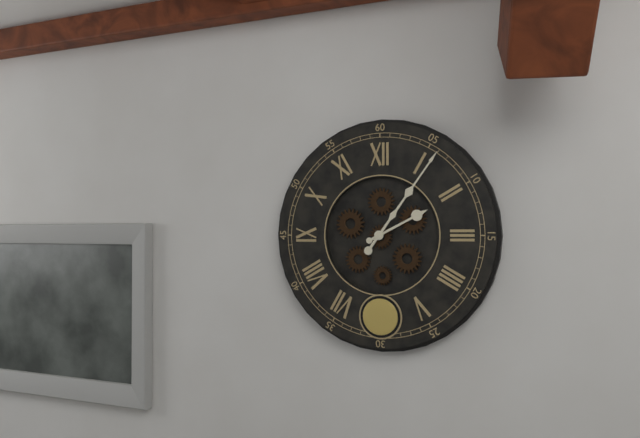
2:06
